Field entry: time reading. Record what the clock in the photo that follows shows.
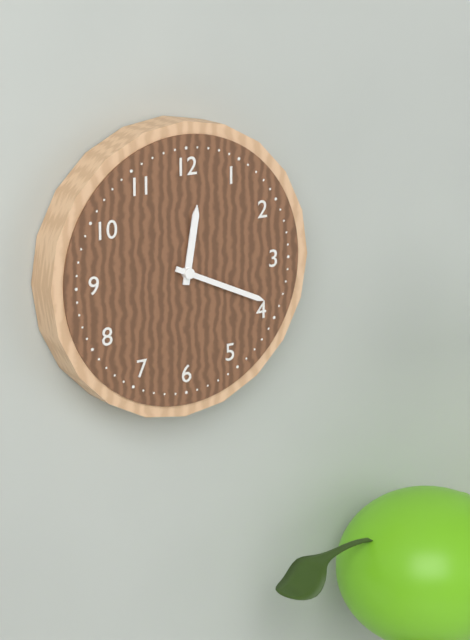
12:19
